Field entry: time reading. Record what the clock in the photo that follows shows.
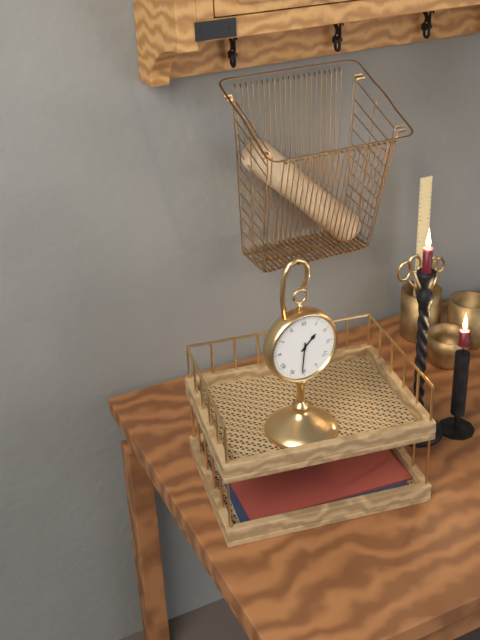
1:31
